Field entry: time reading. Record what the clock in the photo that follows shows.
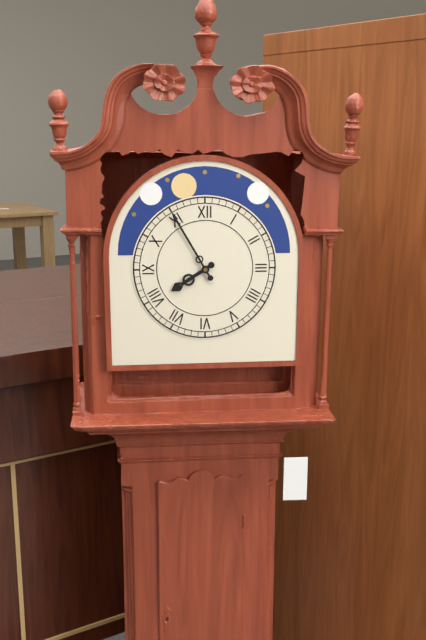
7:55
